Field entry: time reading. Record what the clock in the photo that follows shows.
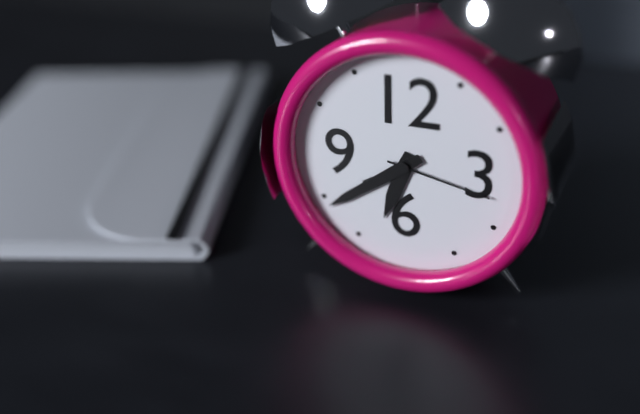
6:39:17
